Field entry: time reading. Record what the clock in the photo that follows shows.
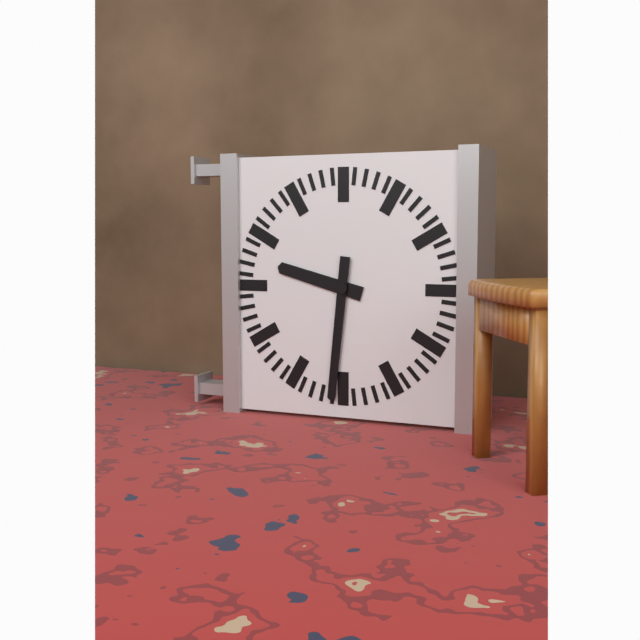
9:31
